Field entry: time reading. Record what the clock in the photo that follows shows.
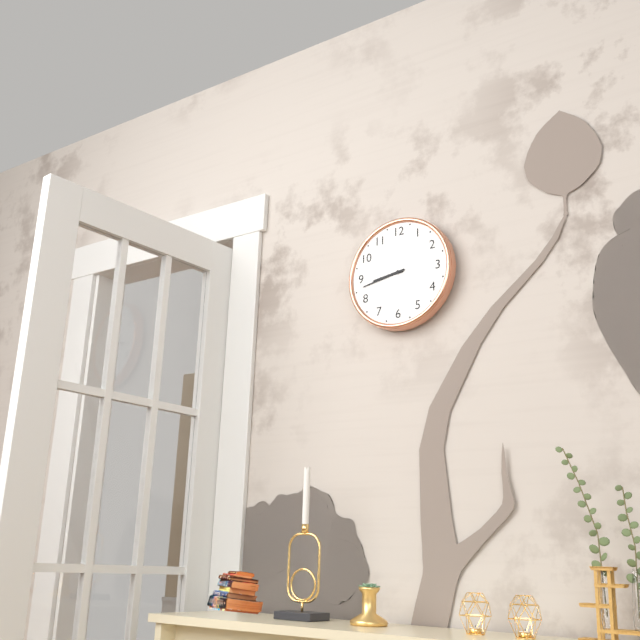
8:43
